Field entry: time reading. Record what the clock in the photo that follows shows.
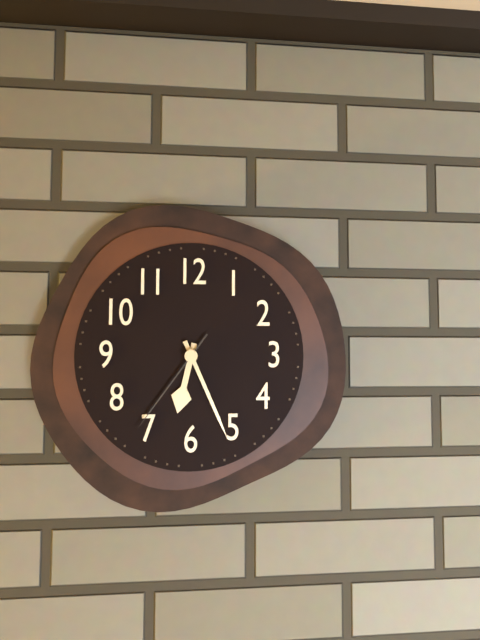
6:26:36
